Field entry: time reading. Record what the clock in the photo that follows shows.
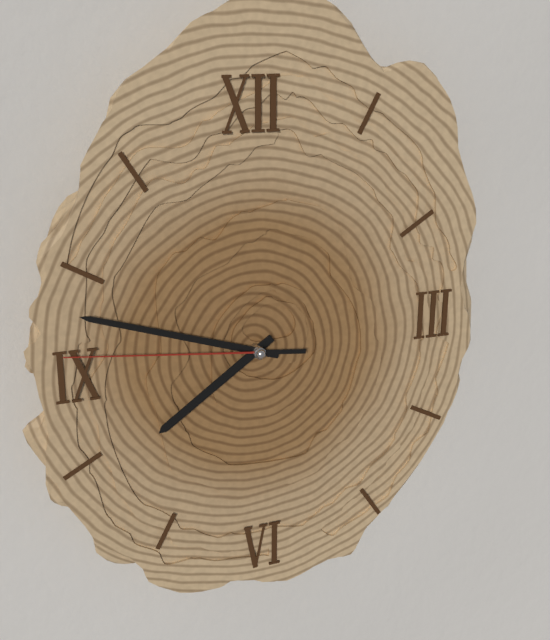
7:48:46
